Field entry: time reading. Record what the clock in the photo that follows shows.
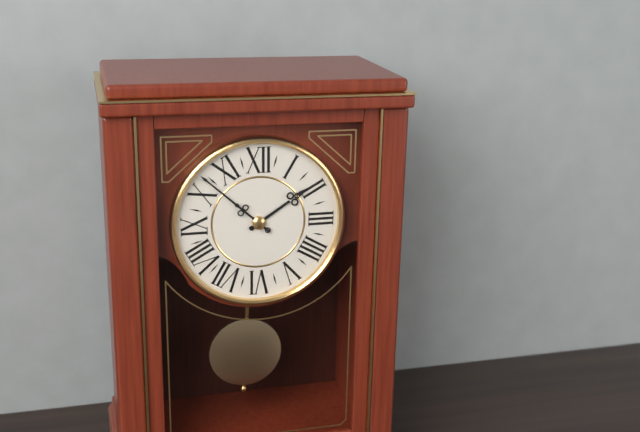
1:52
